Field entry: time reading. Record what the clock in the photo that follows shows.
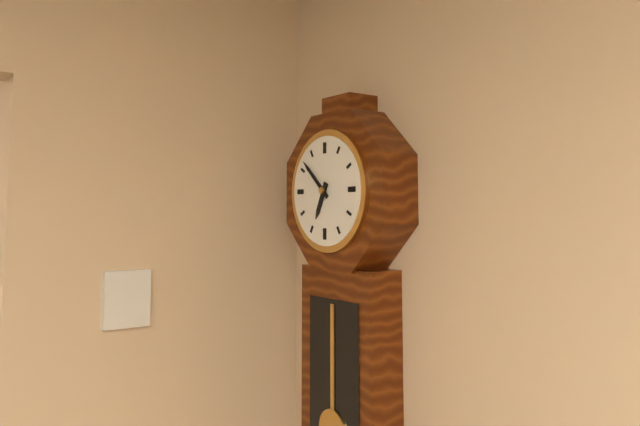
6:52
